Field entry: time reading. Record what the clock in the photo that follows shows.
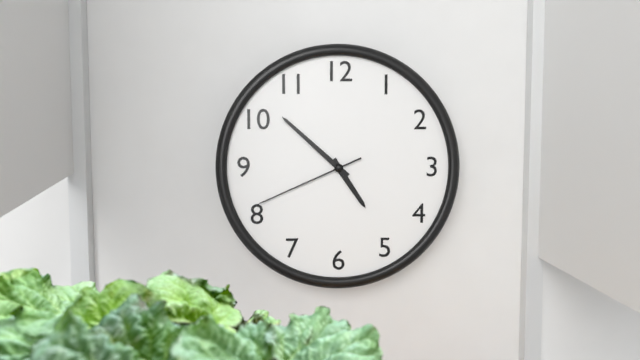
4:52:41
